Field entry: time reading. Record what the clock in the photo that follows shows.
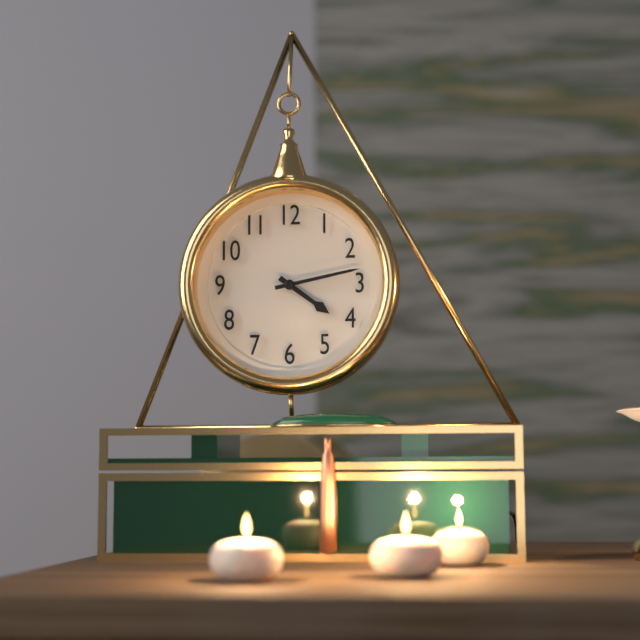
4:13
